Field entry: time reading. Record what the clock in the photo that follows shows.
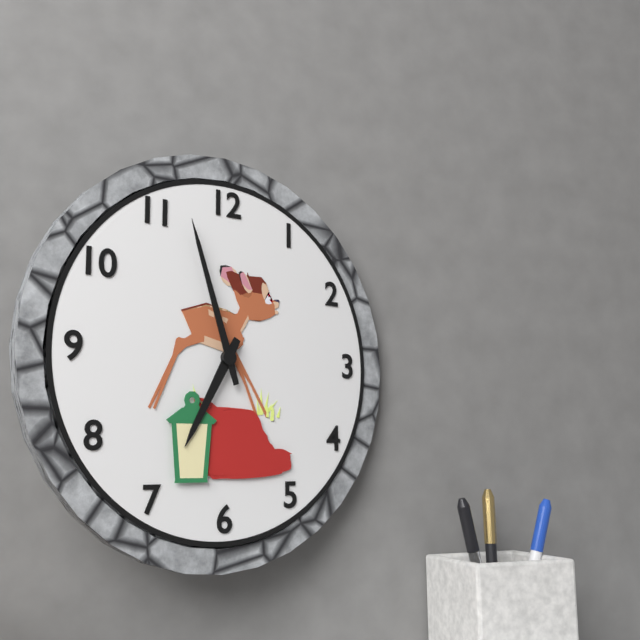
6:57
